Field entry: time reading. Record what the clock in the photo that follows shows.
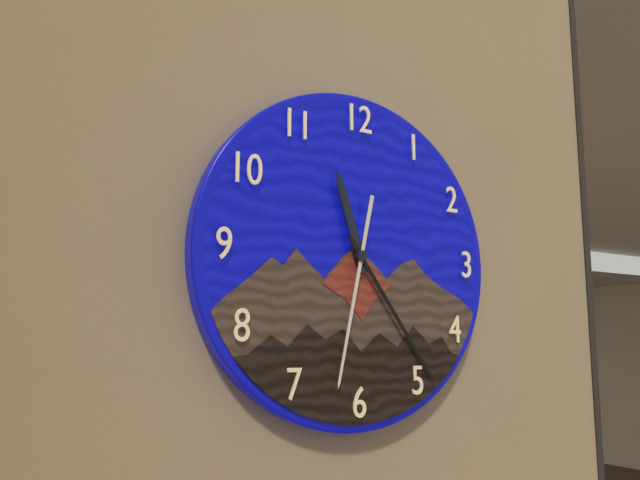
11:24:32
